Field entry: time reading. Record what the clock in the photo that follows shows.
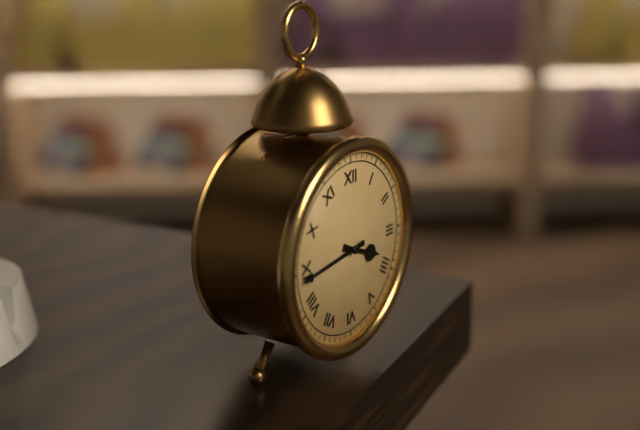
3:44
